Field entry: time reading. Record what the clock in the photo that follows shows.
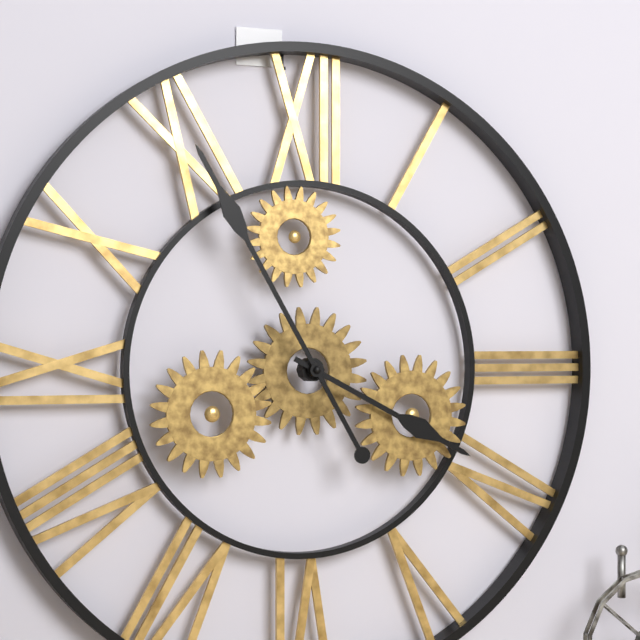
3:55
